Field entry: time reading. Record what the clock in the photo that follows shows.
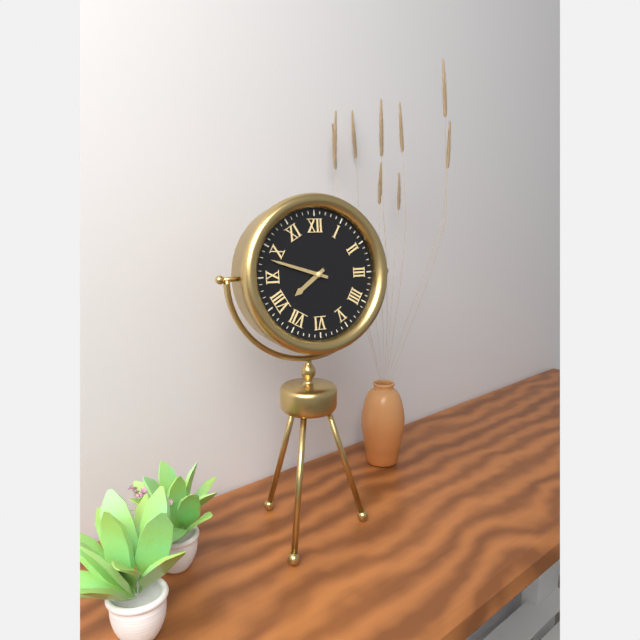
7:48
